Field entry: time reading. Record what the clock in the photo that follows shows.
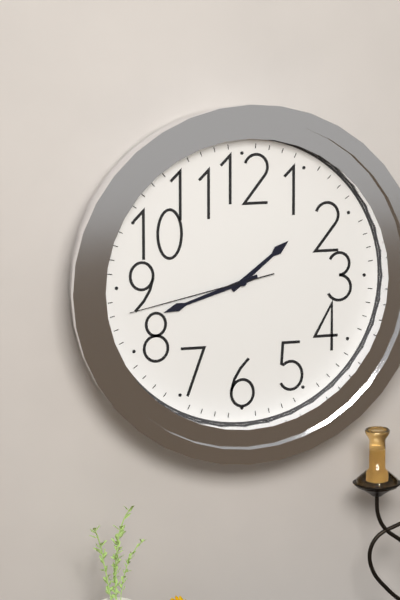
1:42:43
